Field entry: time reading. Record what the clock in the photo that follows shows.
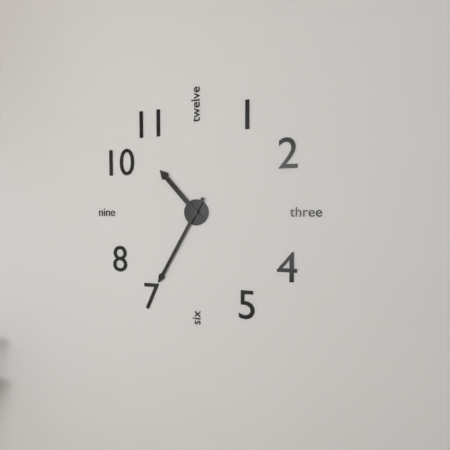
10:35
